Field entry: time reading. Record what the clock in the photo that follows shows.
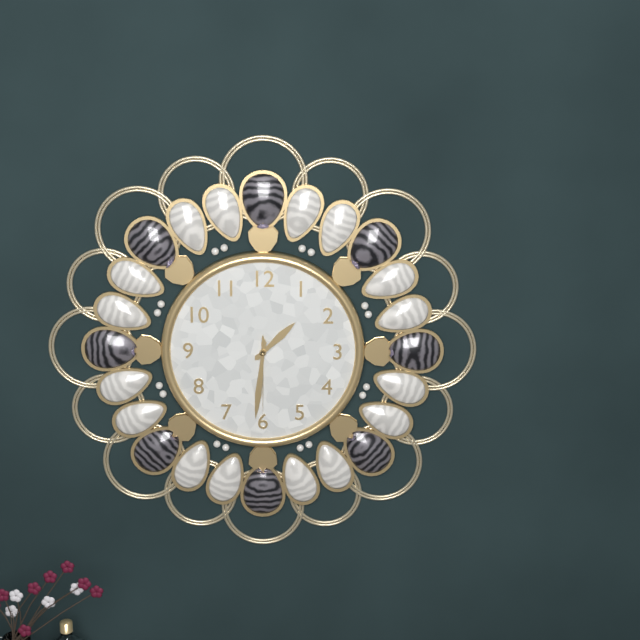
1:31:30
